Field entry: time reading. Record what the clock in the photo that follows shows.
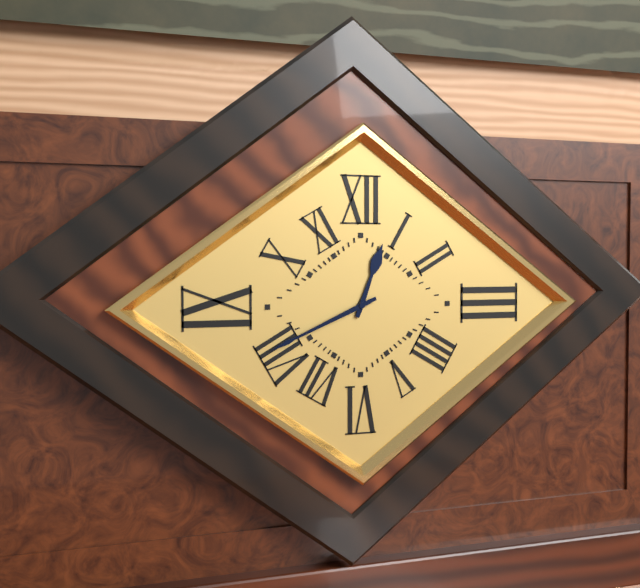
12:41
